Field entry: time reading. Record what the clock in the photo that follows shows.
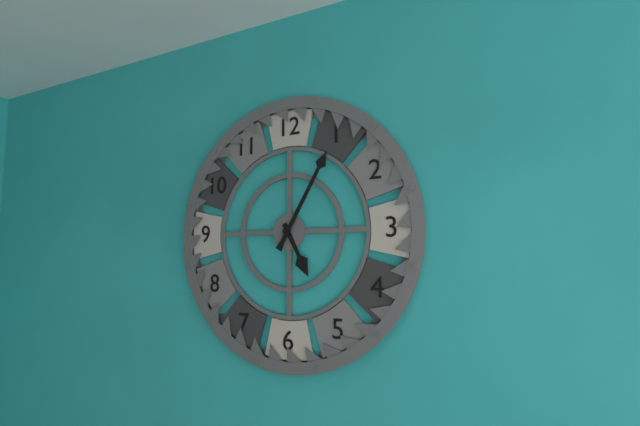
5:05
